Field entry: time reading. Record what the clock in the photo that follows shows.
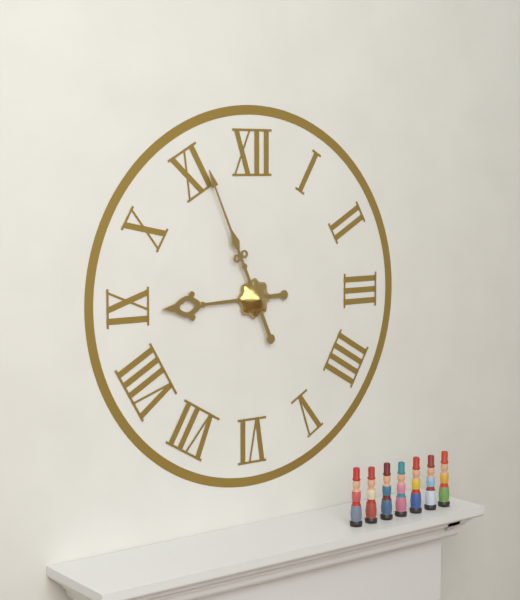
8:56
